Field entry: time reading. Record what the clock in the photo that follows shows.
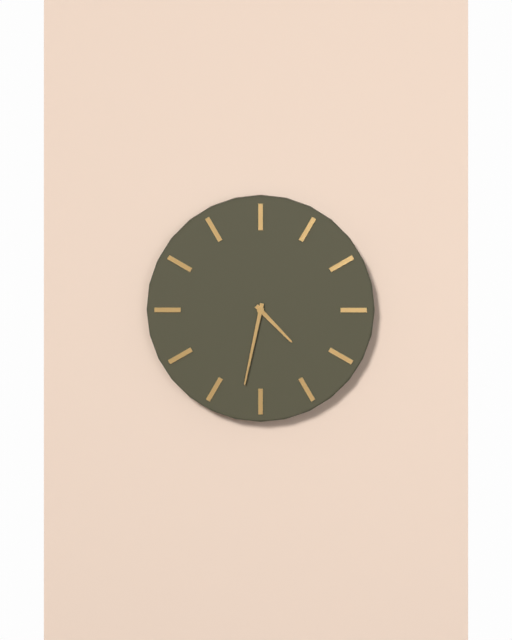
4:32
